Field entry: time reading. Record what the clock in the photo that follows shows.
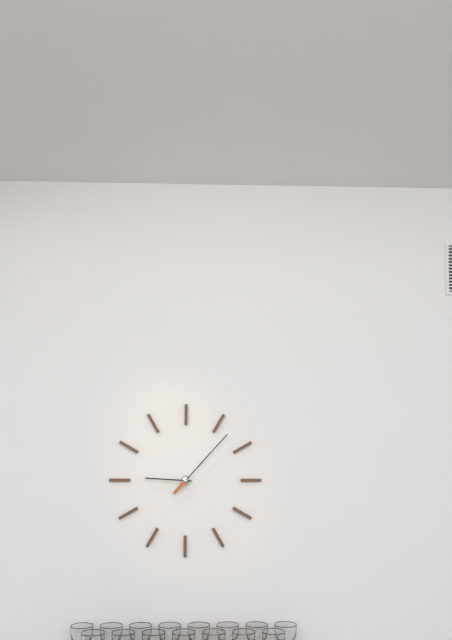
9:07
